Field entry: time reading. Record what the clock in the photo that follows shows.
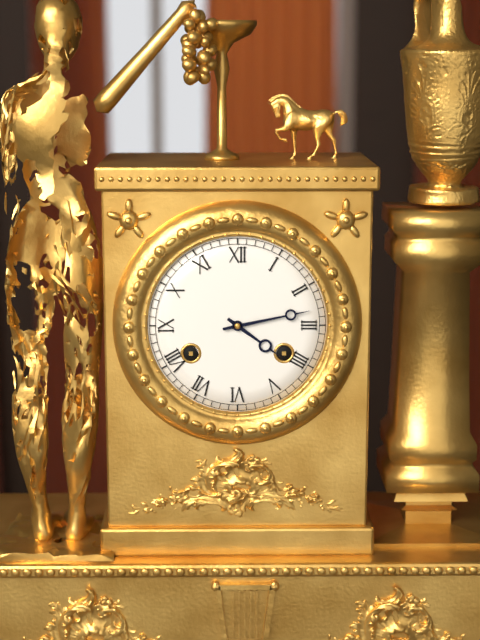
4:13
